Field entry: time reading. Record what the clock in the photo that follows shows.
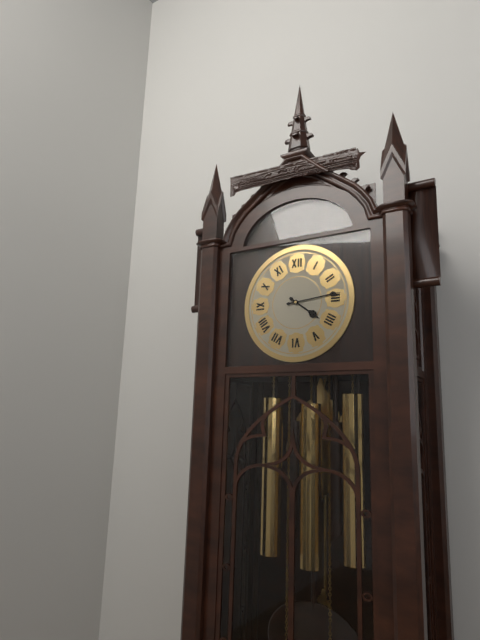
4:14
